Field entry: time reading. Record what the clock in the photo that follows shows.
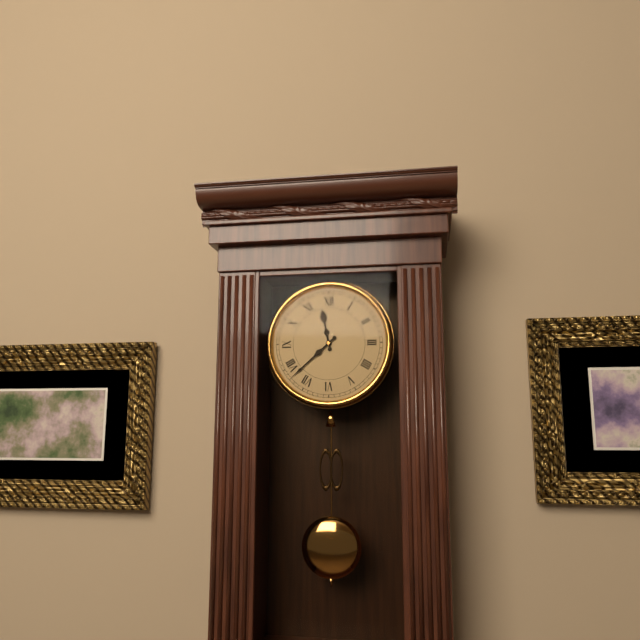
11:38
